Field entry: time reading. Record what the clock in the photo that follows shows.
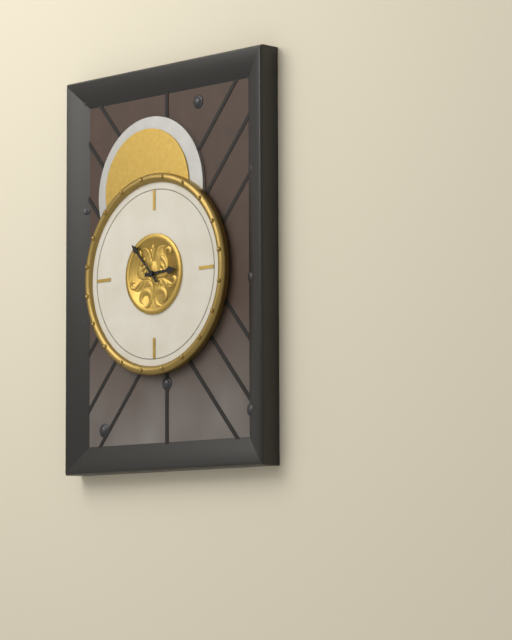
2:53
